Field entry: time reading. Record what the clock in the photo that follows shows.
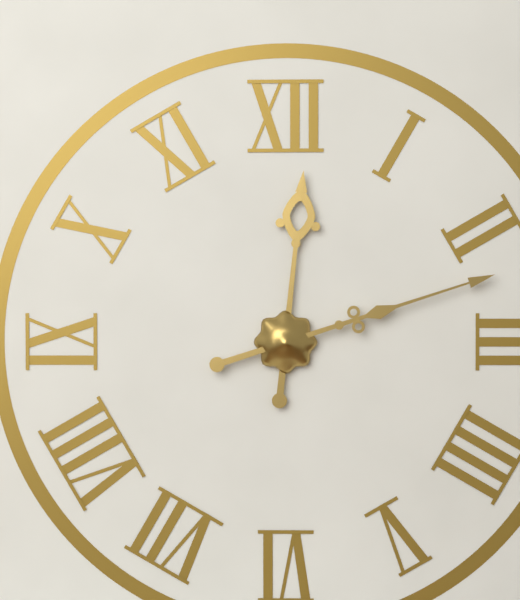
12:12
